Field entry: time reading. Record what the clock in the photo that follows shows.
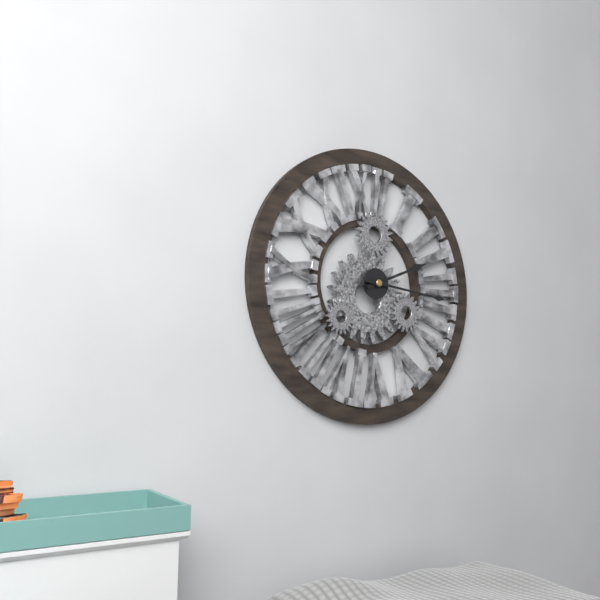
2:16
